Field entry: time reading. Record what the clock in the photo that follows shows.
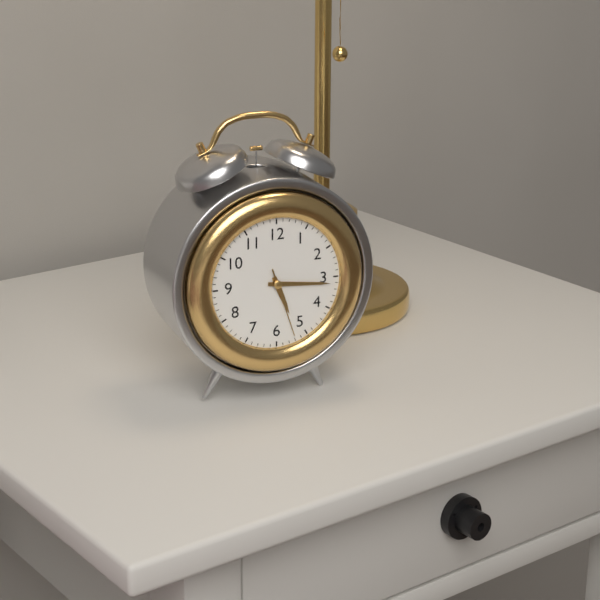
5:16:27
